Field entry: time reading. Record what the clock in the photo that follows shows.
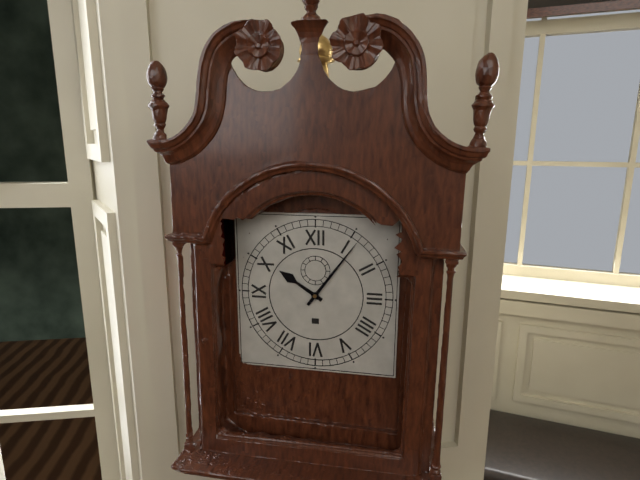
10:06
